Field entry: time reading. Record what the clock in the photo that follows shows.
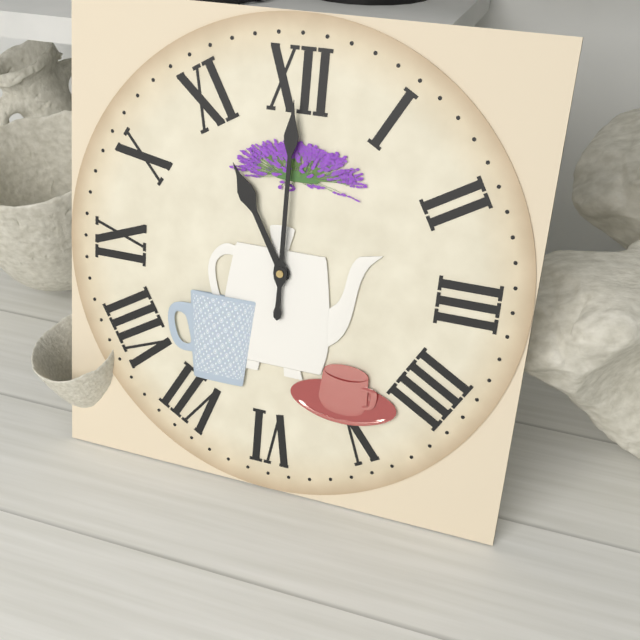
11:00
